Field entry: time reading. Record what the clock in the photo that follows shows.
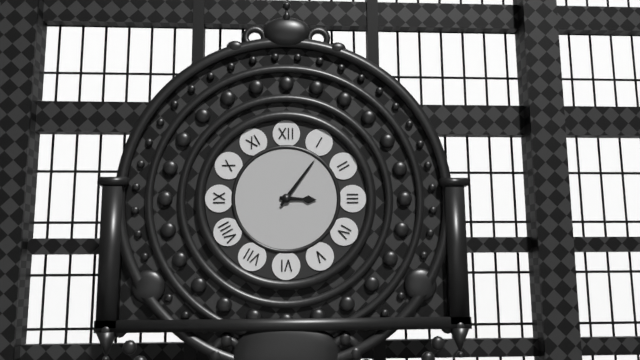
3:06
